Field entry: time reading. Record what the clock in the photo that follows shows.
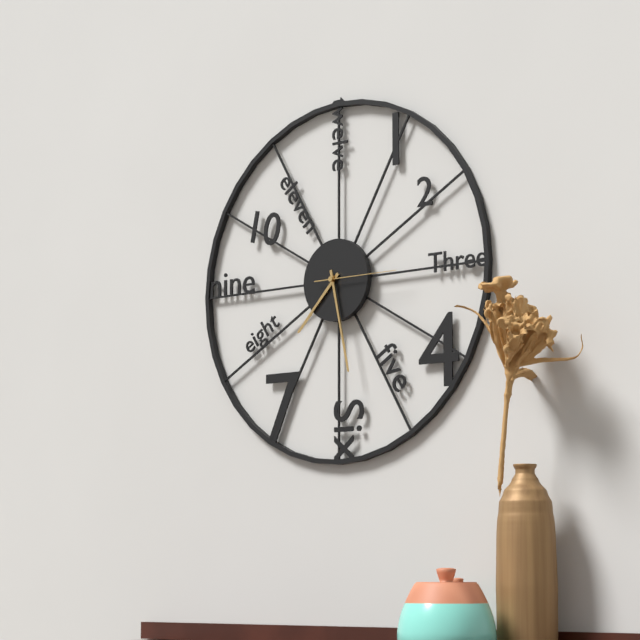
7:28:15
